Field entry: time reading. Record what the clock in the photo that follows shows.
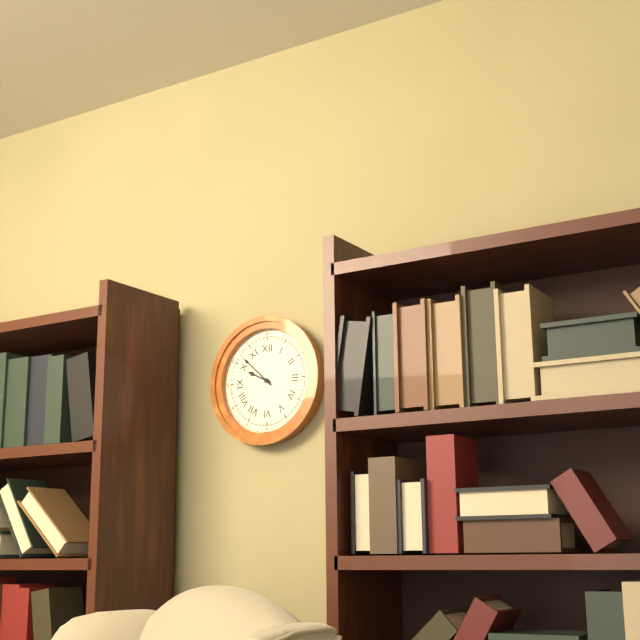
9:52
